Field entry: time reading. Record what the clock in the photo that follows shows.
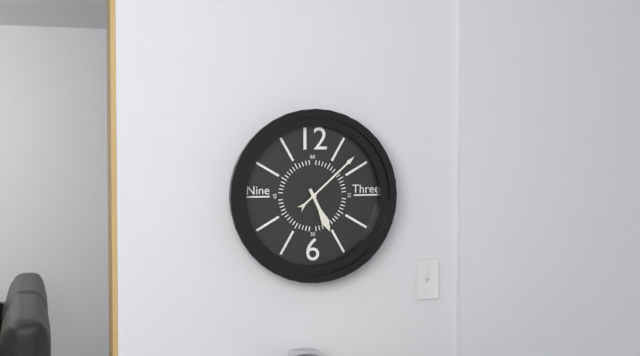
5:08
